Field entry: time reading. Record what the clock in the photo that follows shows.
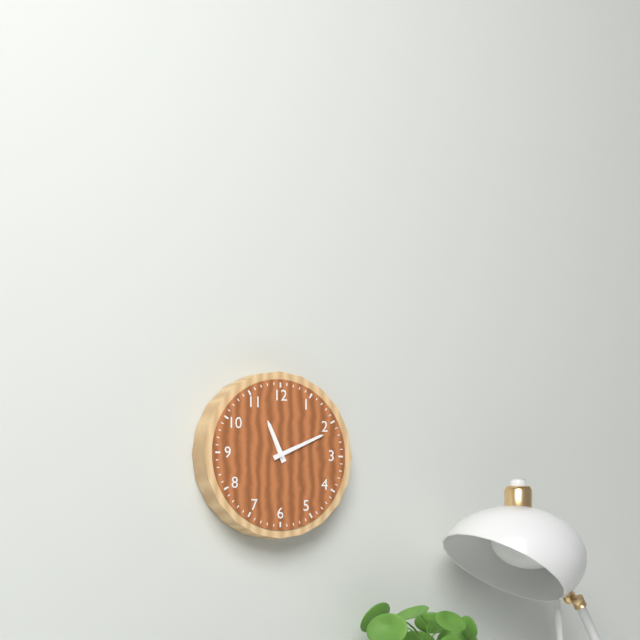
11:11
